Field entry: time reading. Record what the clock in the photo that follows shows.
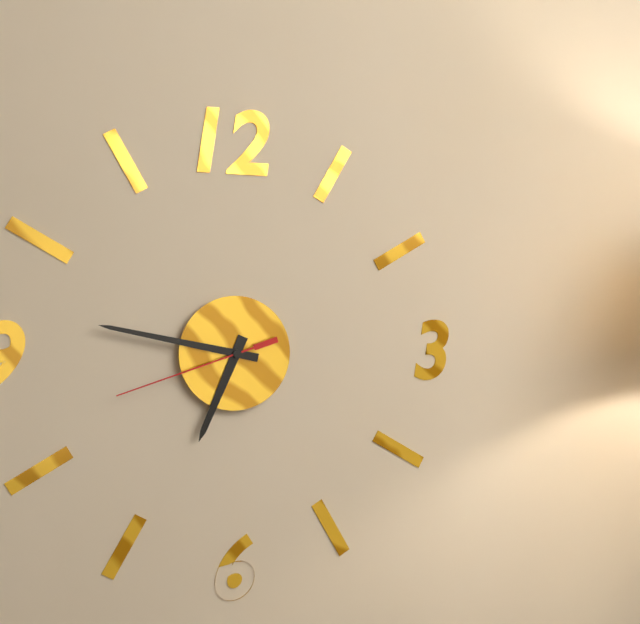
6:47:42
